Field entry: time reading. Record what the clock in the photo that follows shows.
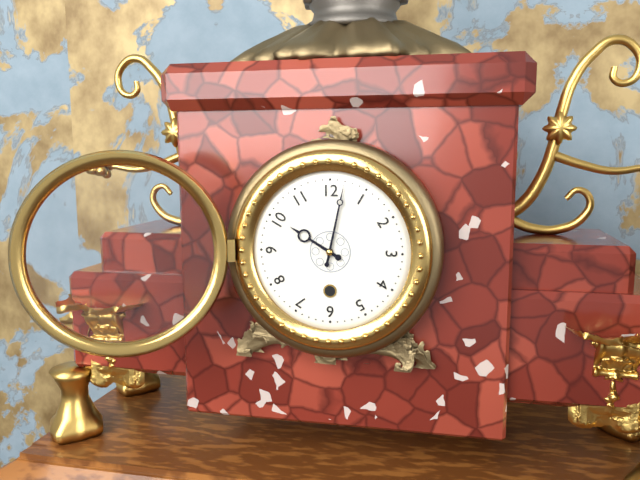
10:02
